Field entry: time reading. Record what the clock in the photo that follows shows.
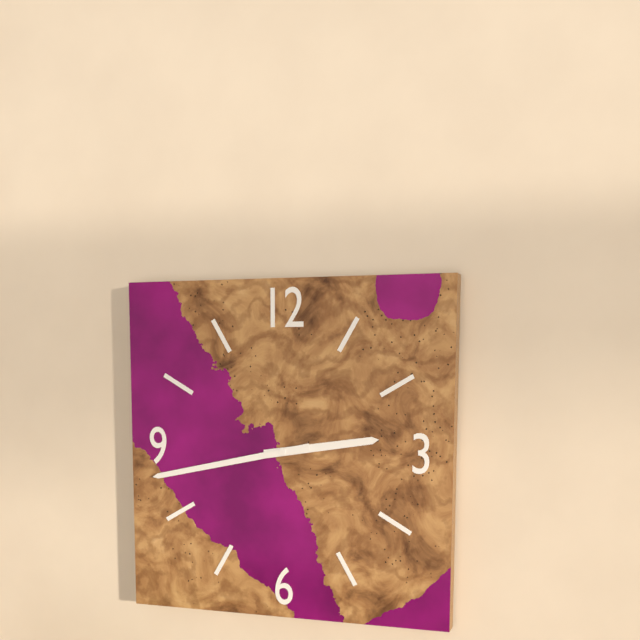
2:43
